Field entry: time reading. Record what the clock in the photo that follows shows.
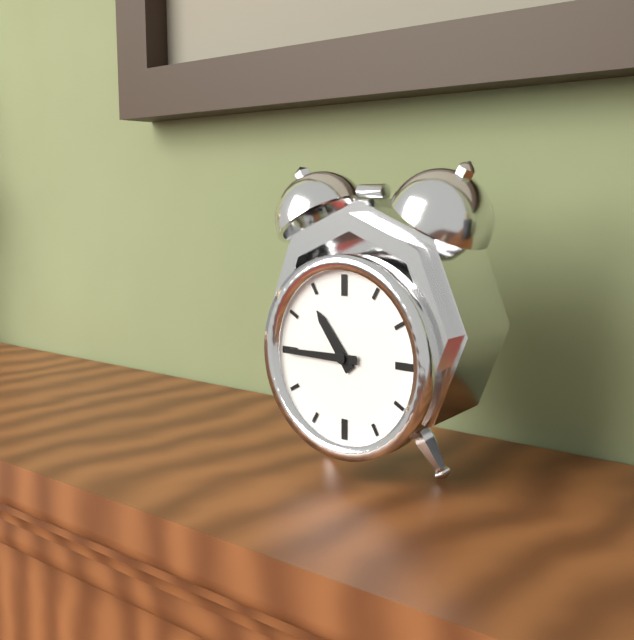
10:45
